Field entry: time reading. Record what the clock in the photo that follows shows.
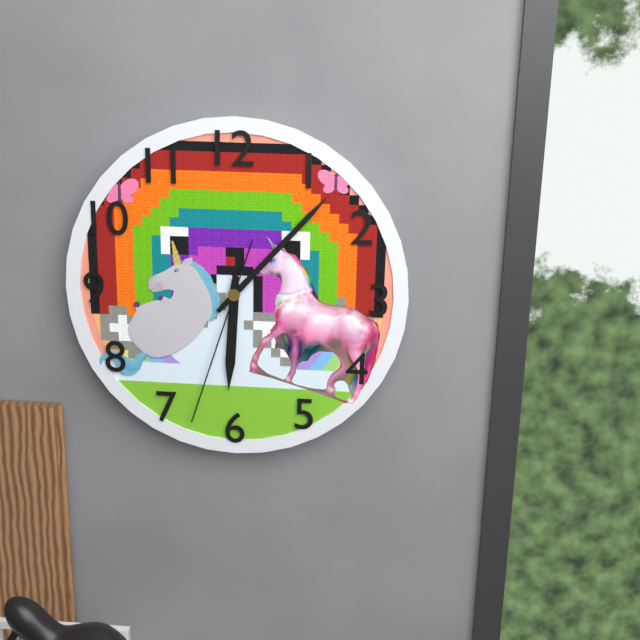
6:07:33
